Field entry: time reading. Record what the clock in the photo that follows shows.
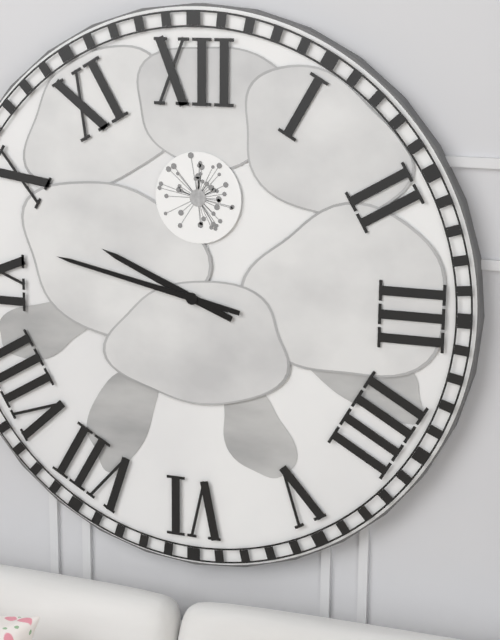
9:47
